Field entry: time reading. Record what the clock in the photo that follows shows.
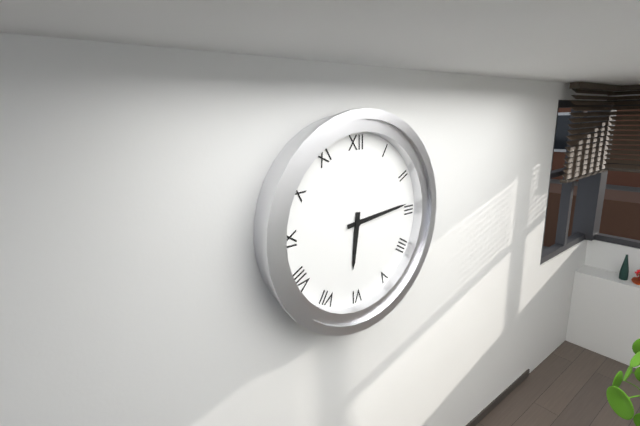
6:14
